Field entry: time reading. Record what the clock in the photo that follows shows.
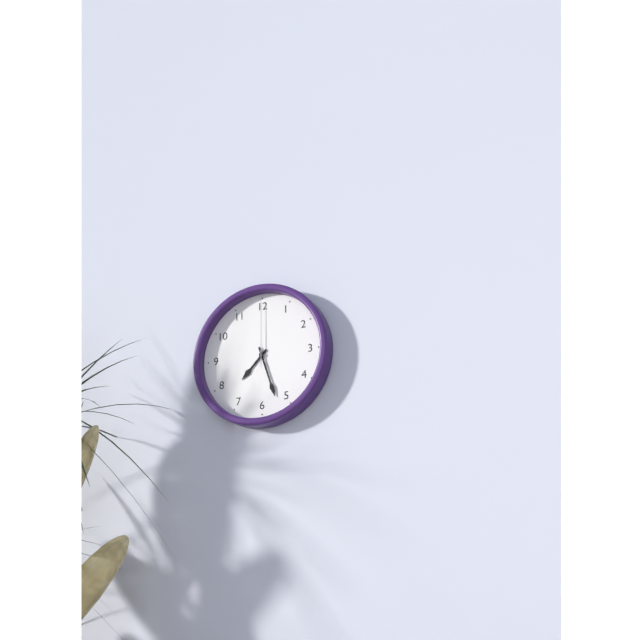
7:27:00
